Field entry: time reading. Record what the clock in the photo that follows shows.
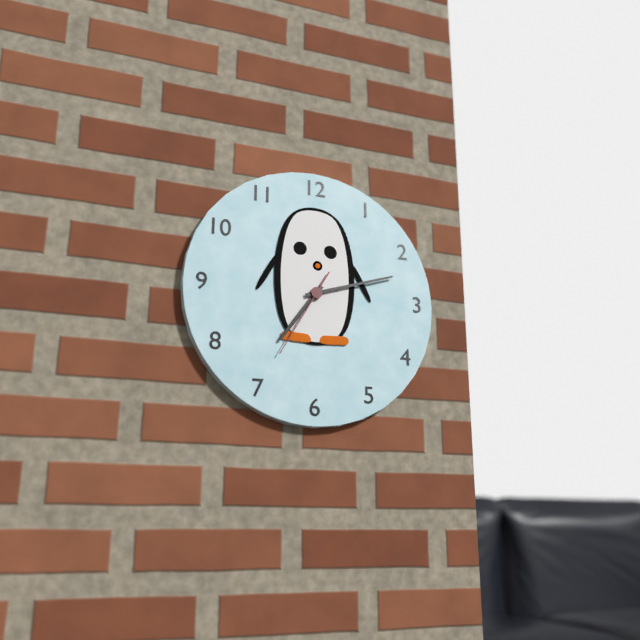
7:12:35
